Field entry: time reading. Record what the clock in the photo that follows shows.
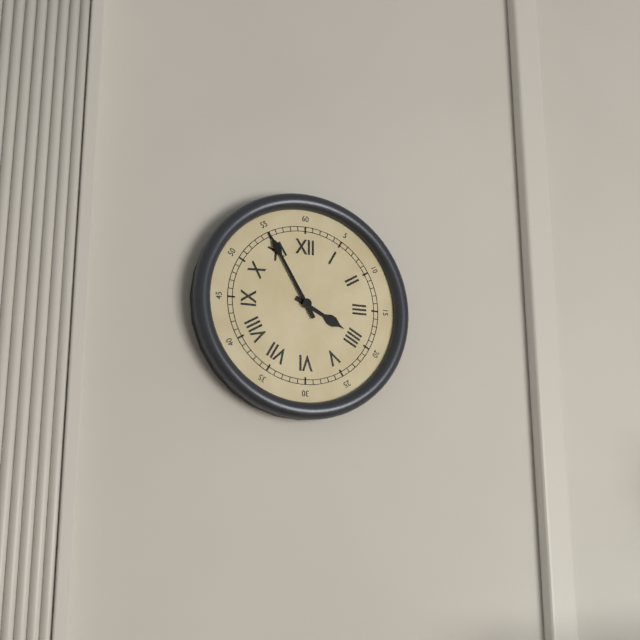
3:55
